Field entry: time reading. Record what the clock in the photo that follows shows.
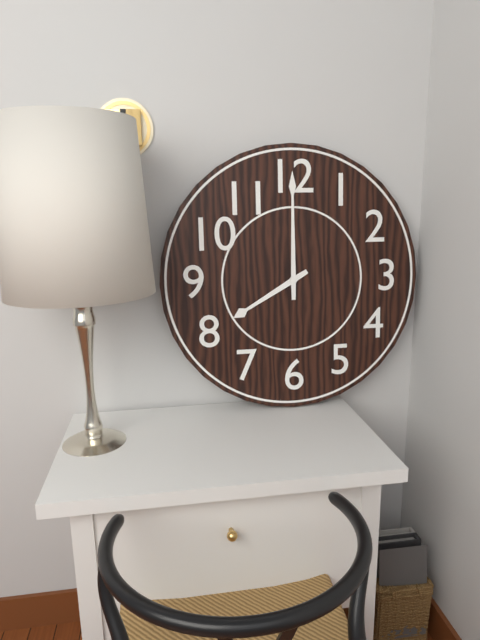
8:00
